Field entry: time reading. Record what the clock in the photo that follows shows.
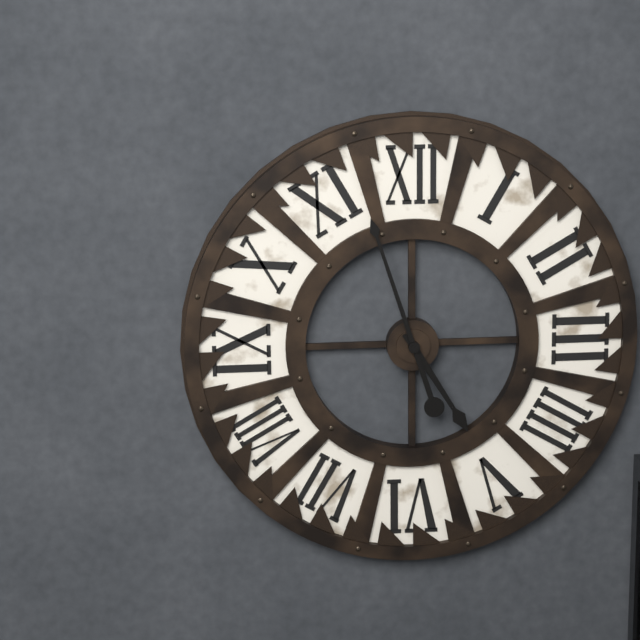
4:57
